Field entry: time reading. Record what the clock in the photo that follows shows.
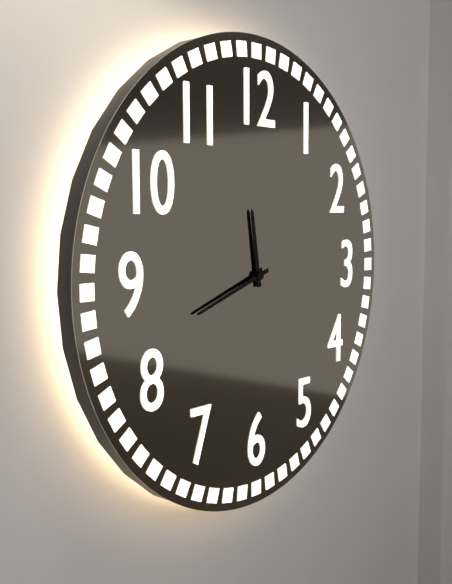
11:42
